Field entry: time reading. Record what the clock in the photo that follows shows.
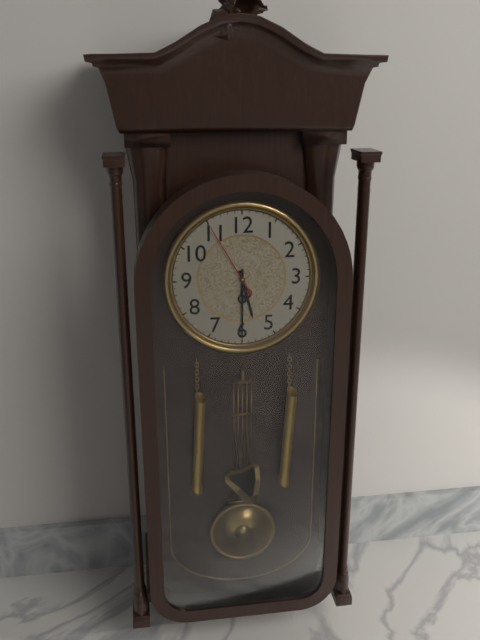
5:30:55
